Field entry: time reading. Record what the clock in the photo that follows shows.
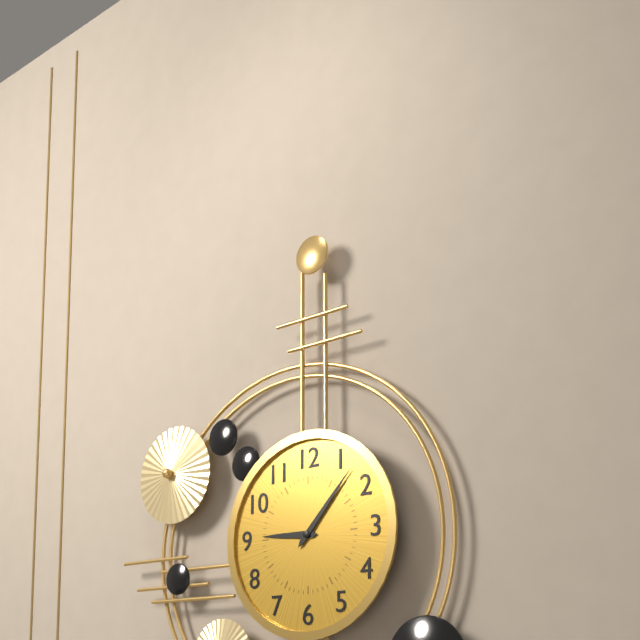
9:07
